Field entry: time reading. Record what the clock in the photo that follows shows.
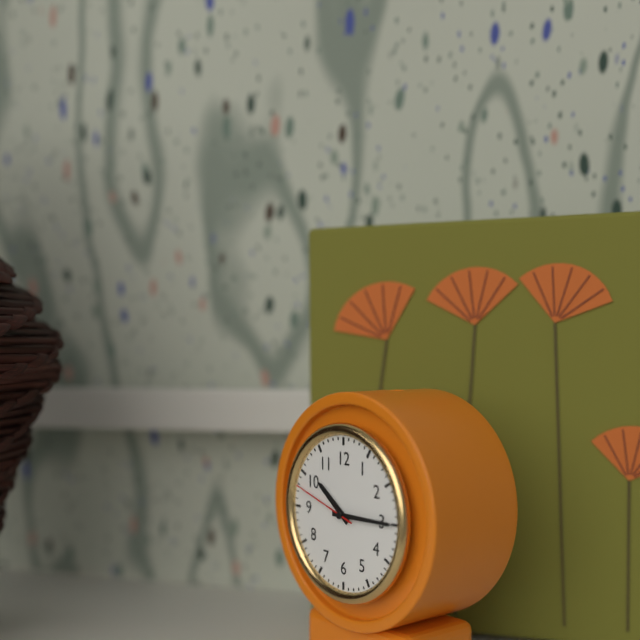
10:15:48
